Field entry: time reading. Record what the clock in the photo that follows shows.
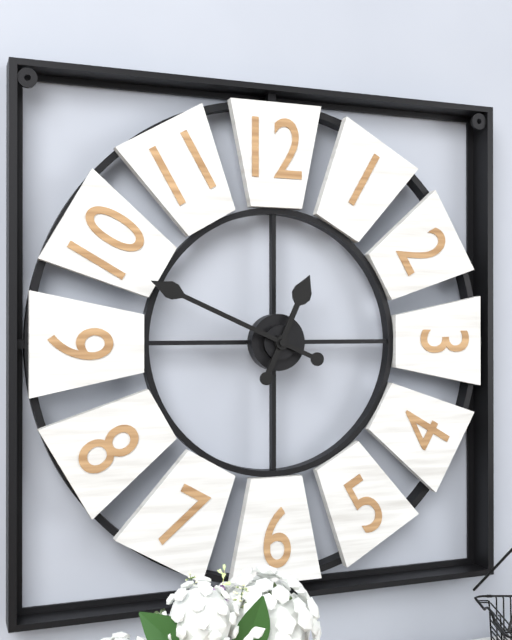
12:49
